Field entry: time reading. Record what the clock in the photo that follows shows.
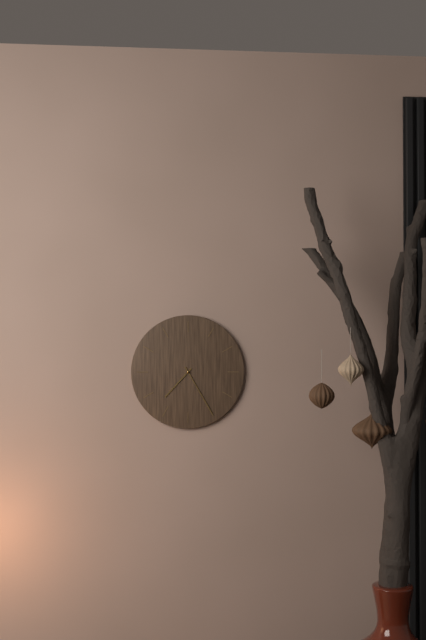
7:25
